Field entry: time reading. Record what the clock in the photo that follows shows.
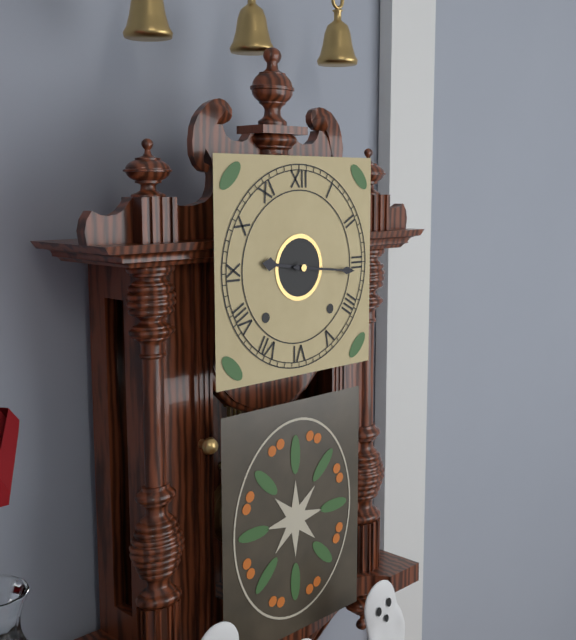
9:16
